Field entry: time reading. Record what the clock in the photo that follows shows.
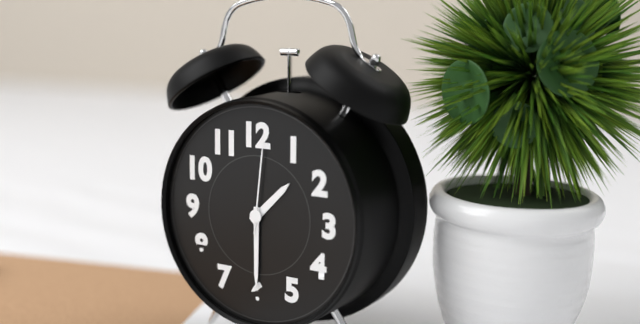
1:30:01
